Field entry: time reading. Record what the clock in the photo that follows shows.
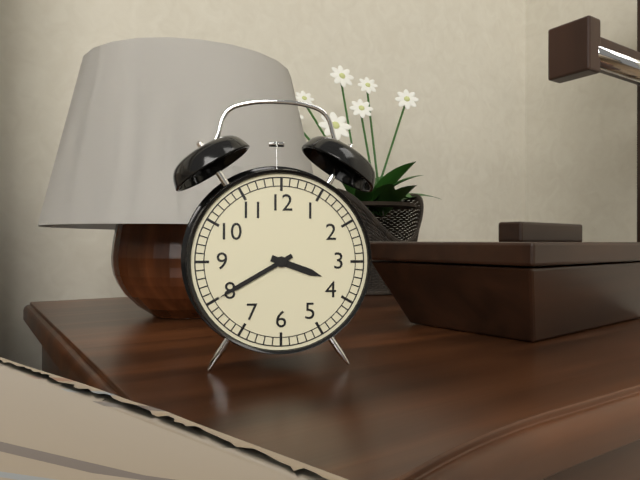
3:40
